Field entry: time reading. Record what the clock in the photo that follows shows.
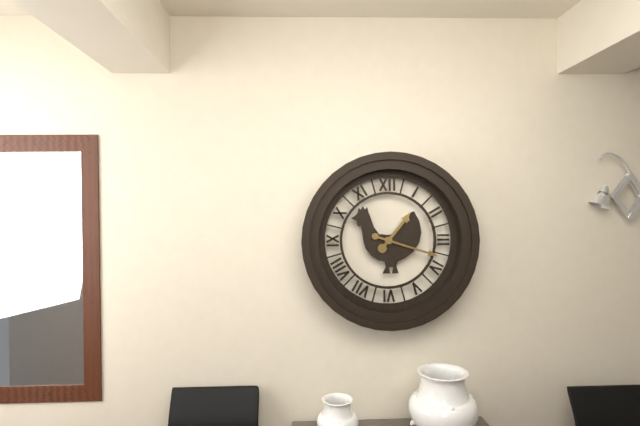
1:18
